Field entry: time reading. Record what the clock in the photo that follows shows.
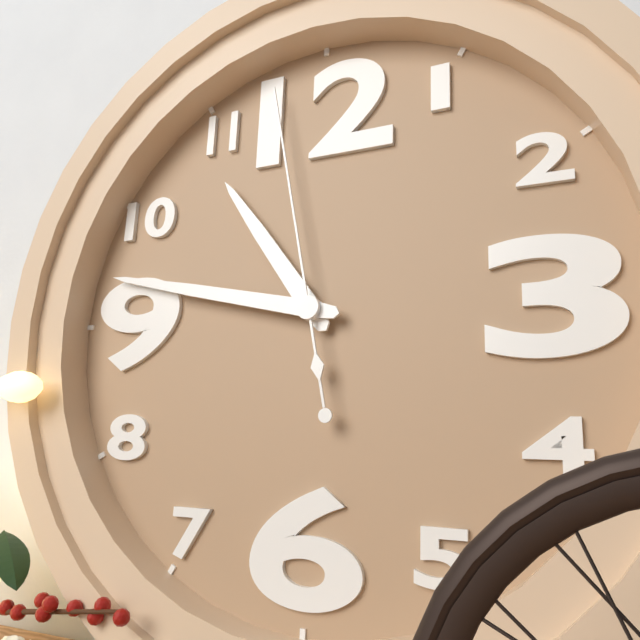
10:47:58
